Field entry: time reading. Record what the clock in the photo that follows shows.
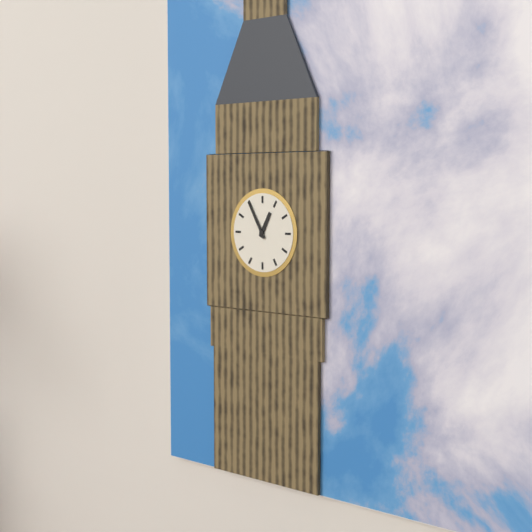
12:55
